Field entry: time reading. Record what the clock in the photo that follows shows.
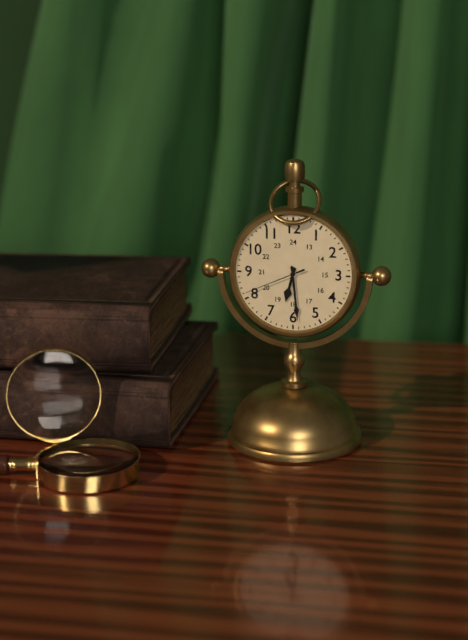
6:29:41
